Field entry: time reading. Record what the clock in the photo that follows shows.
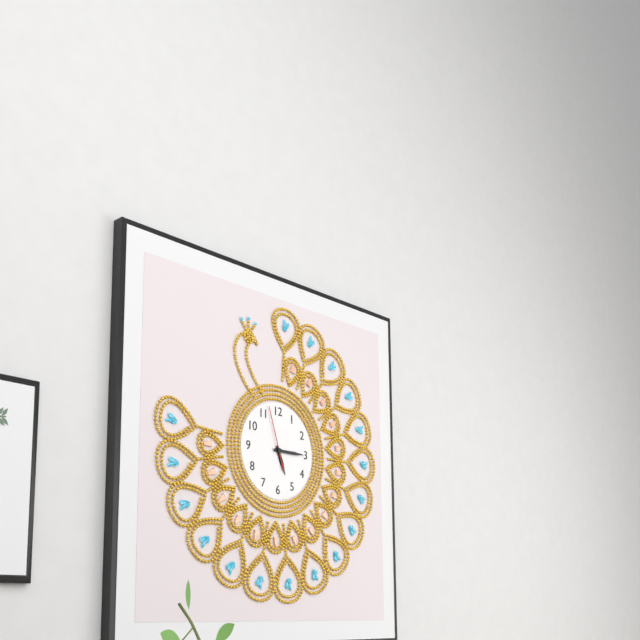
5:15:57
